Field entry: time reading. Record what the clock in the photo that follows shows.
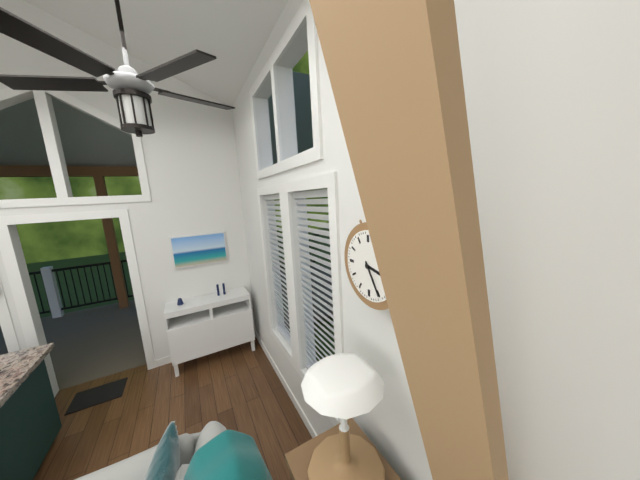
3:25
